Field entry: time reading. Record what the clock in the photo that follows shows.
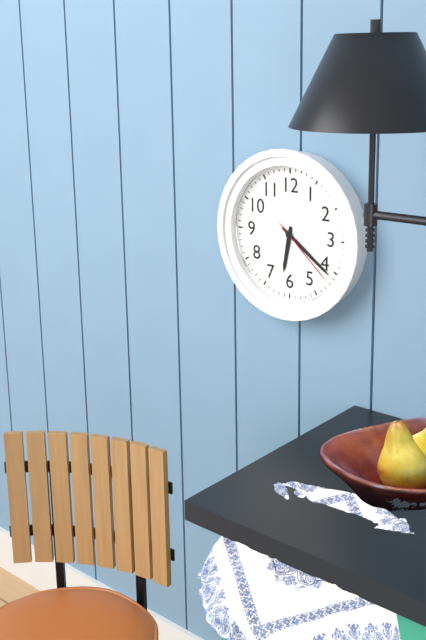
6:21:22
